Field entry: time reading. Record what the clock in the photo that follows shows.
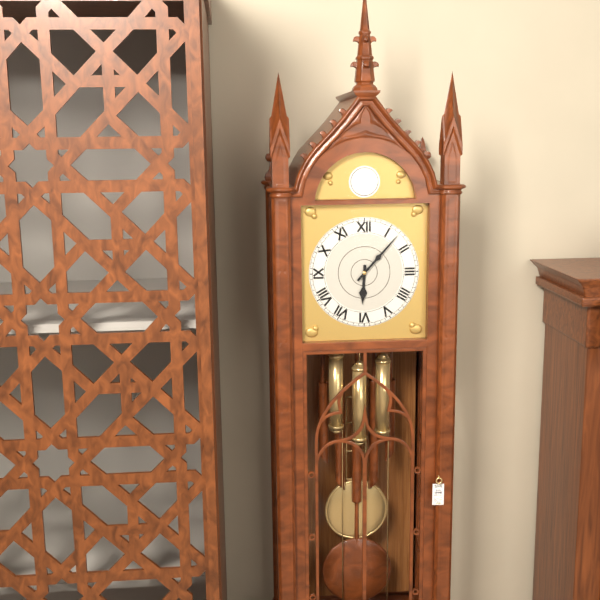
6:07
